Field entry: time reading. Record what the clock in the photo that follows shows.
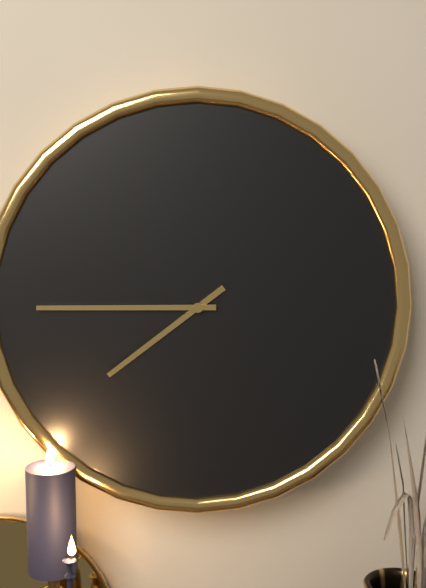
7:45
